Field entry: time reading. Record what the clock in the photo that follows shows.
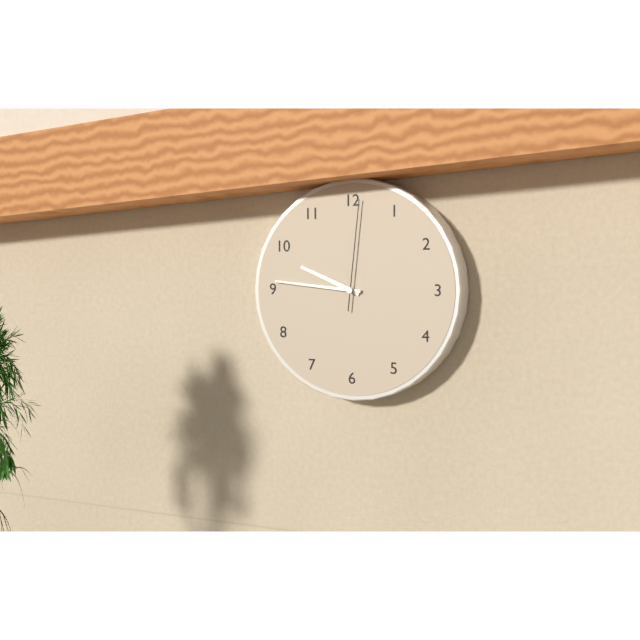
9:46:01
